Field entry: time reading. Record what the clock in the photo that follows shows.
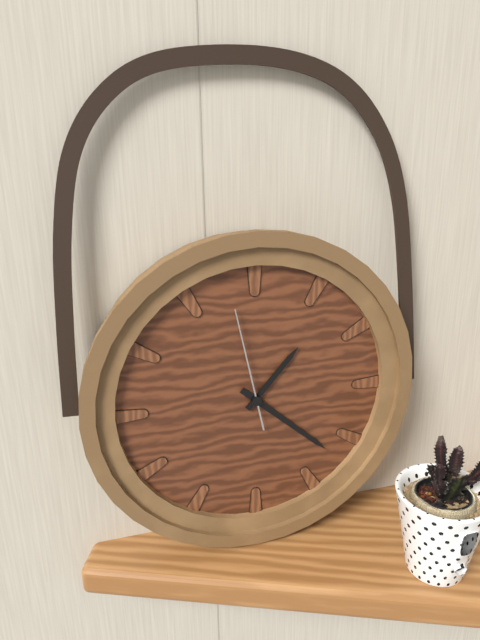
1:22:58
